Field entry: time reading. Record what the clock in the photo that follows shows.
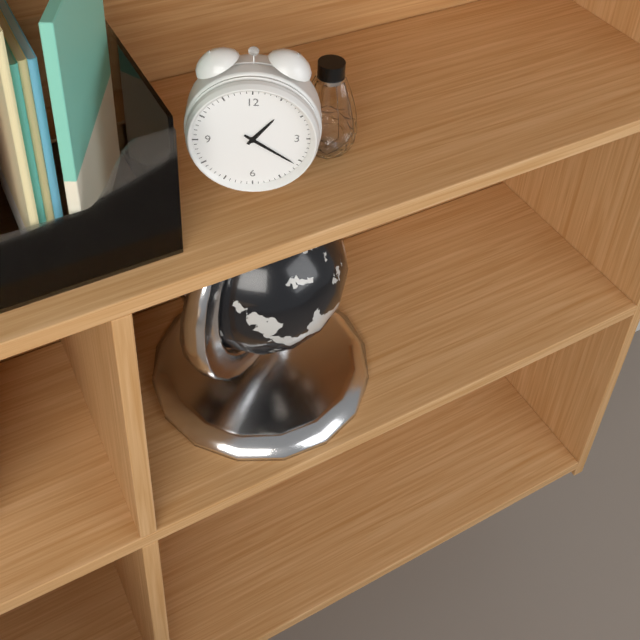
1:21
